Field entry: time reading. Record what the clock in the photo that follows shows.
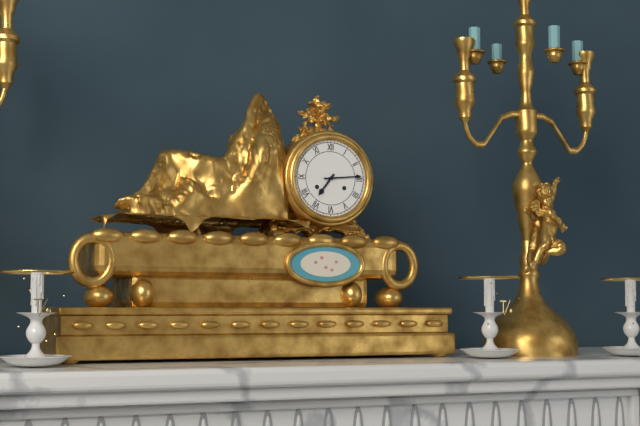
7:14
